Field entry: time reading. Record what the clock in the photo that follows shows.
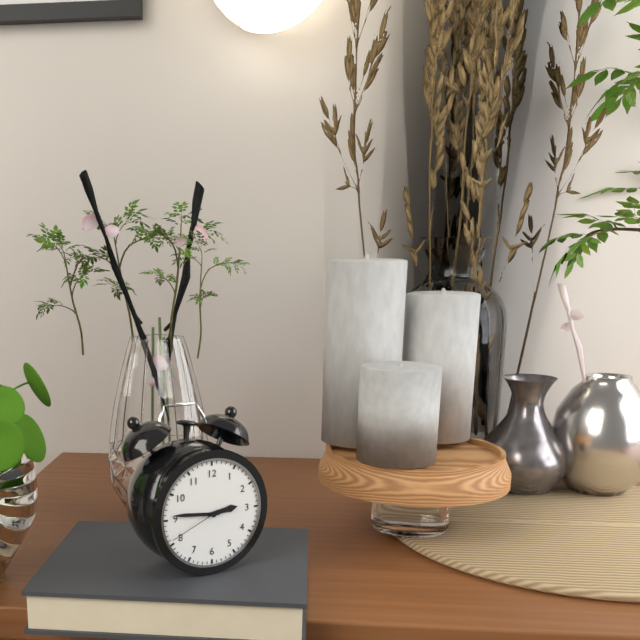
2:46:41
